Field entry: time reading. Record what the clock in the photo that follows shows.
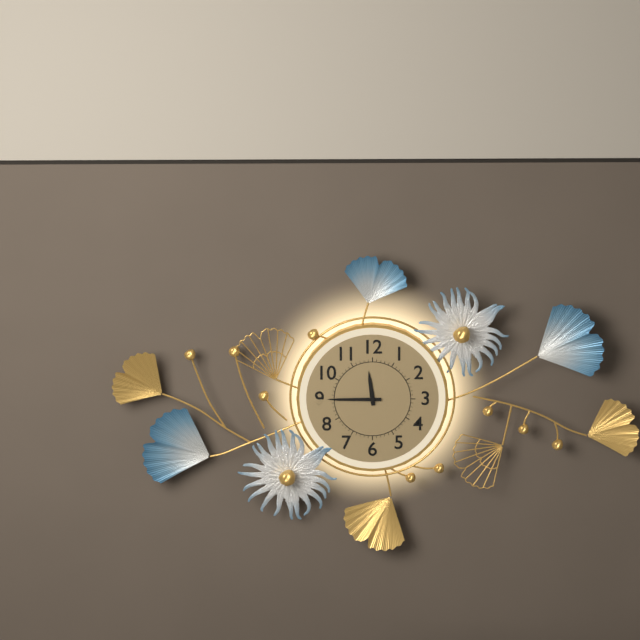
11:45
